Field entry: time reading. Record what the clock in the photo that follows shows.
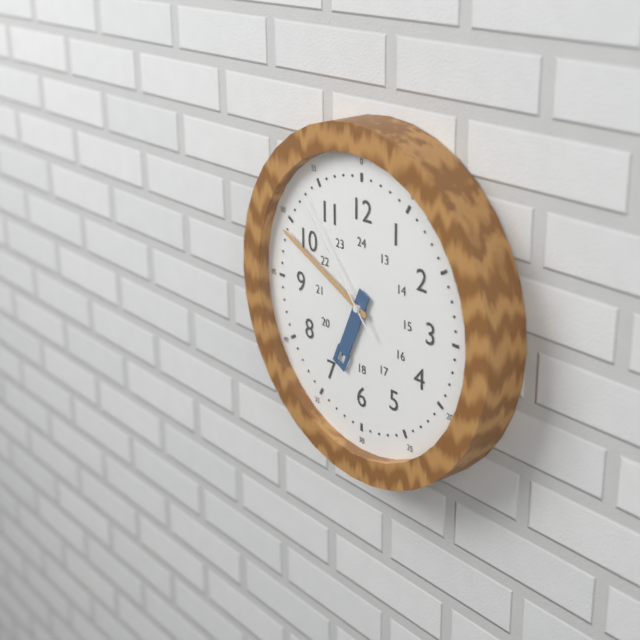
6:49:53
